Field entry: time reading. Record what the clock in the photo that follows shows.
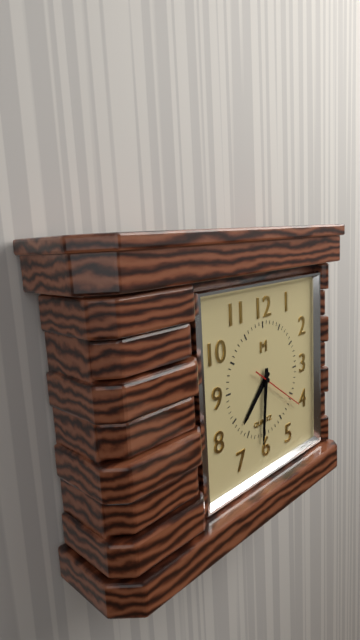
7:31:21
